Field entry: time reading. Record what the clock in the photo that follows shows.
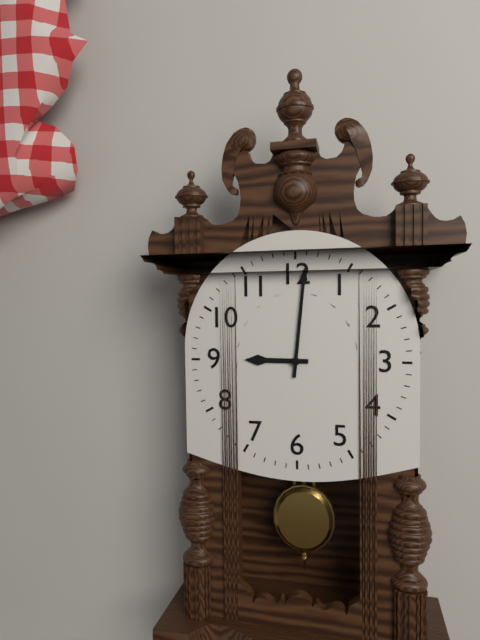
9:01
